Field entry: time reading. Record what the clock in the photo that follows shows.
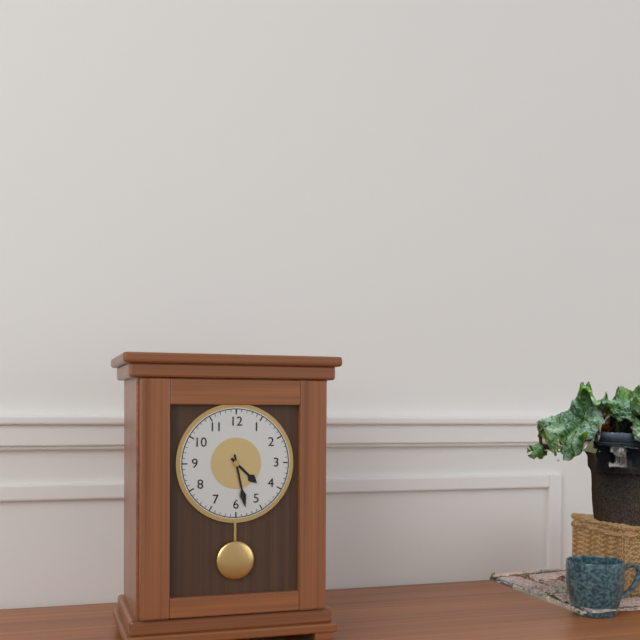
4:28
